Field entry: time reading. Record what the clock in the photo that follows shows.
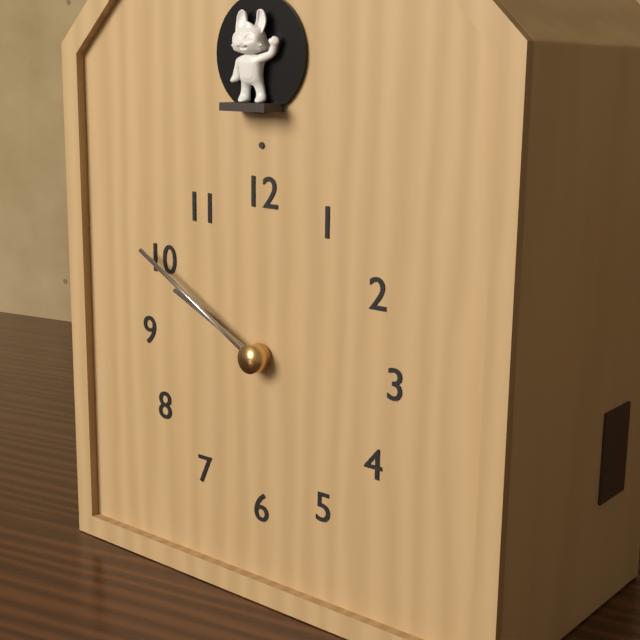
9:50
